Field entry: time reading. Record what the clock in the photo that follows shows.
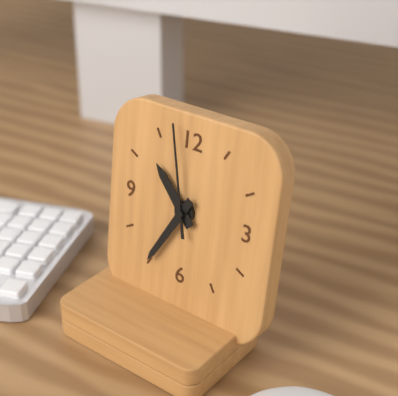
10:35:58
